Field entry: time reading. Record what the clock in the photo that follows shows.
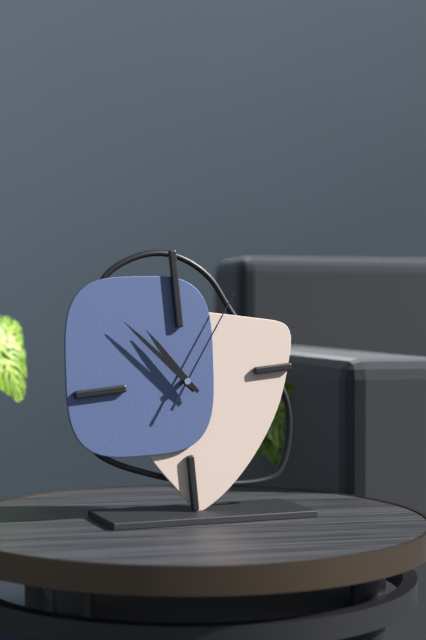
10:53:06
